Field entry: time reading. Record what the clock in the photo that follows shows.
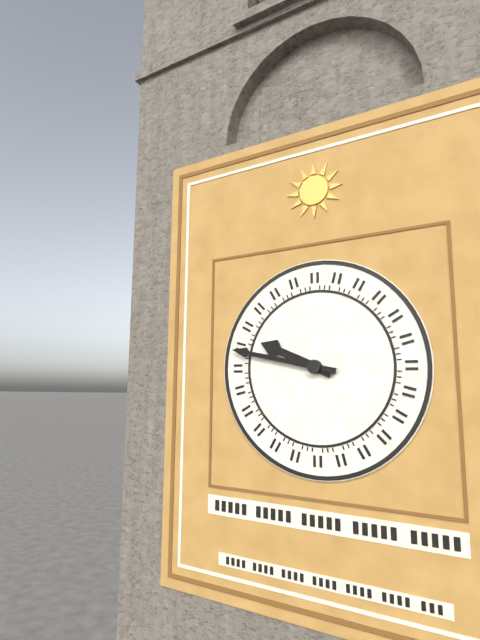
9:47
